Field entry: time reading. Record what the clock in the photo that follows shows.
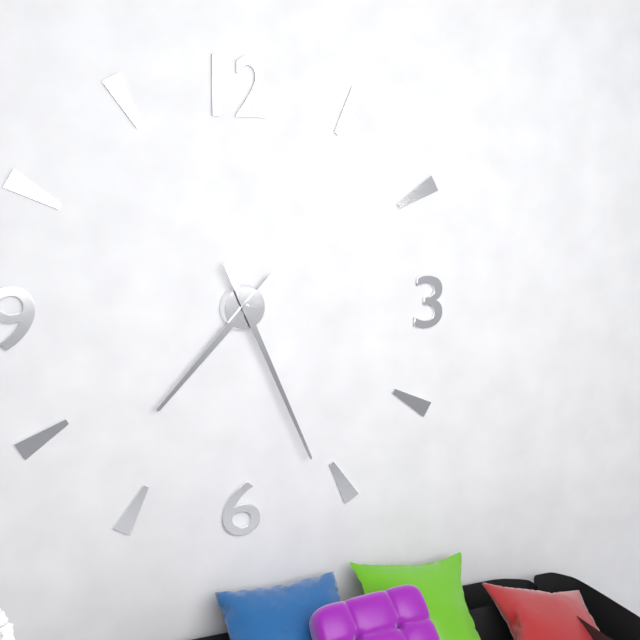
7:26
